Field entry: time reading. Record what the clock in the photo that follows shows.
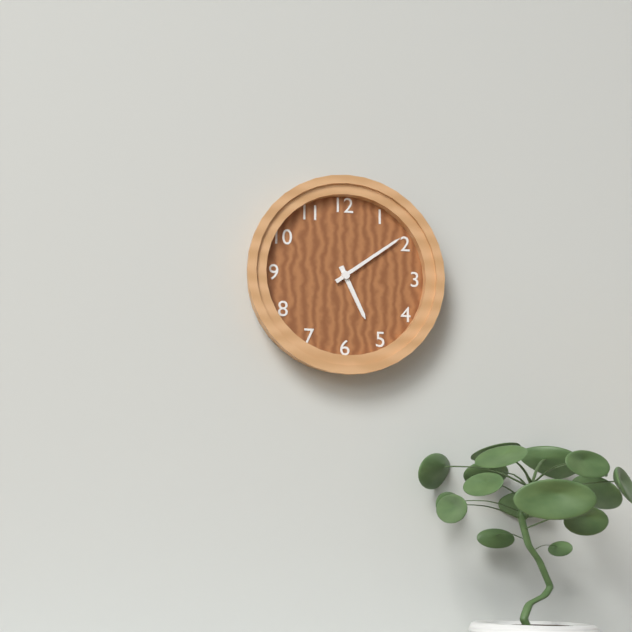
5:09
